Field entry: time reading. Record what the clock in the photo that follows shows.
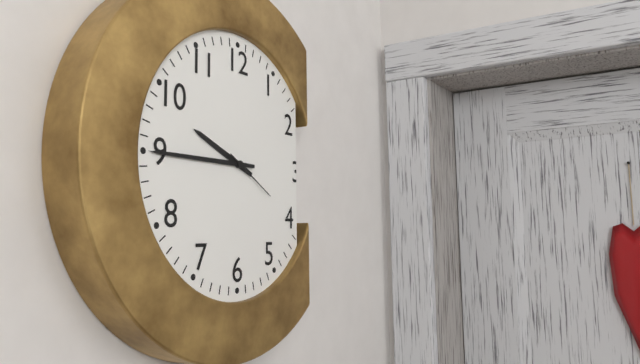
9:45:20
